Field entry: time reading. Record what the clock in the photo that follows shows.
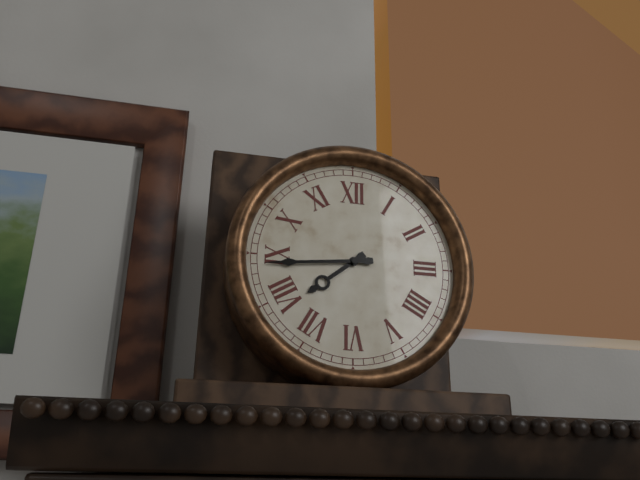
7:44
